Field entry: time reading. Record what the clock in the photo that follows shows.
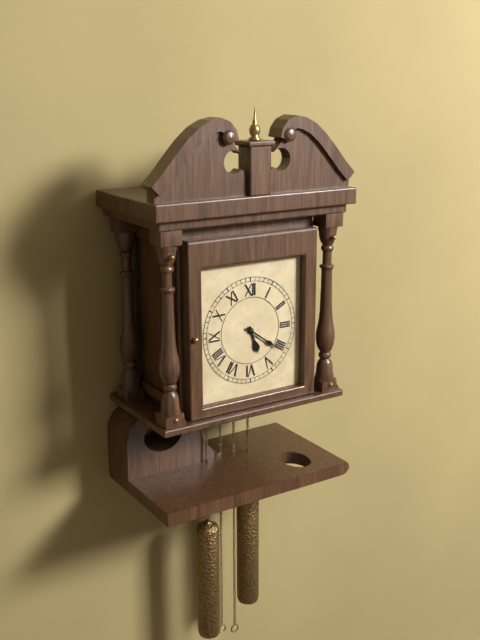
5:21
